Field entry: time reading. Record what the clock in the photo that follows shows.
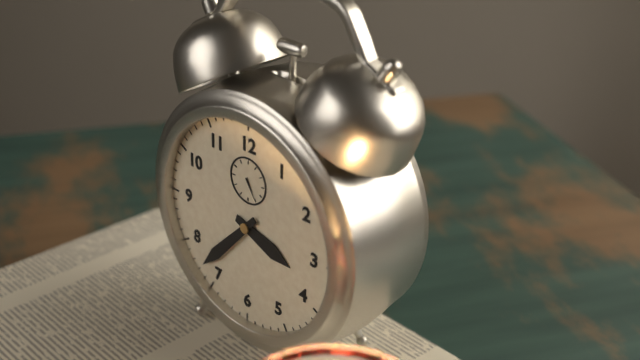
3:37
